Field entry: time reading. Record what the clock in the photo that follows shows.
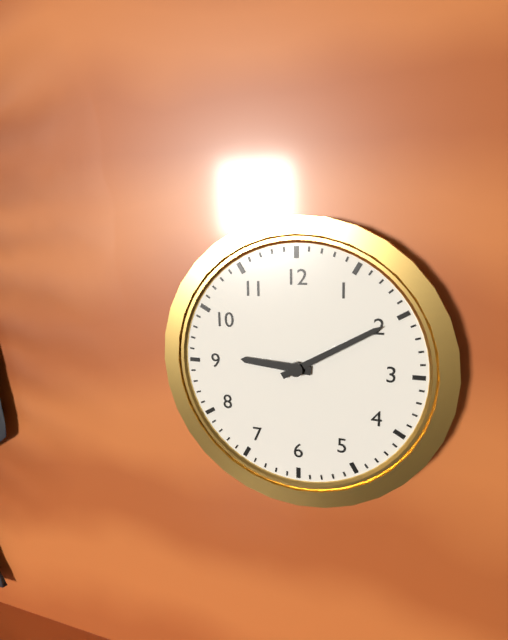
9:10
